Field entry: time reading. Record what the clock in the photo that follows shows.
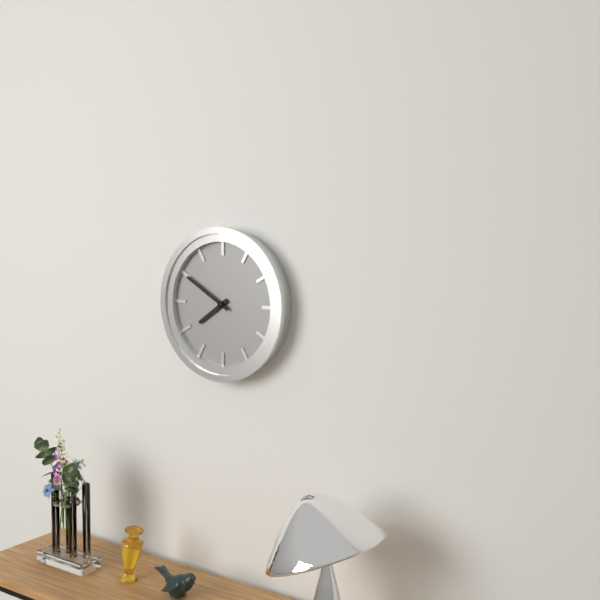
7:50
